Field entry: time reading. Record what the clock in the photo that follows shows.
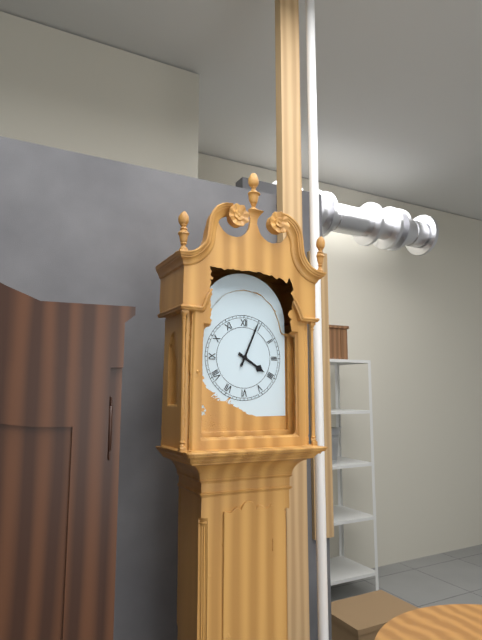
4:04
